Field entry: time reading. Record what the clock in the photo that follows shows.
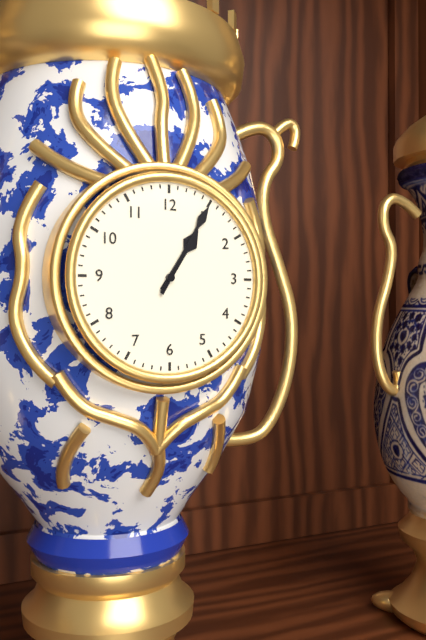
1:05
